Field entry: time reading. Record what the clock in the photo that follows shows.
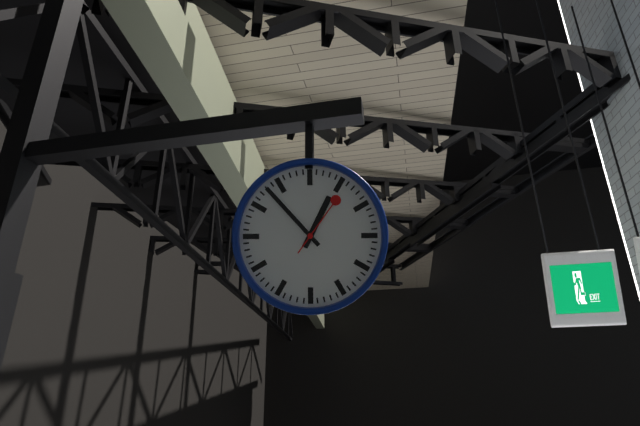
12:53:06
